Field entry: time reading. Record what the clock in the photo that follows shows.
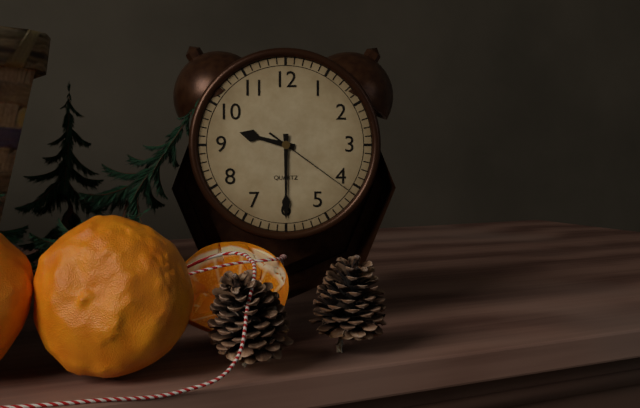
9:30:21
